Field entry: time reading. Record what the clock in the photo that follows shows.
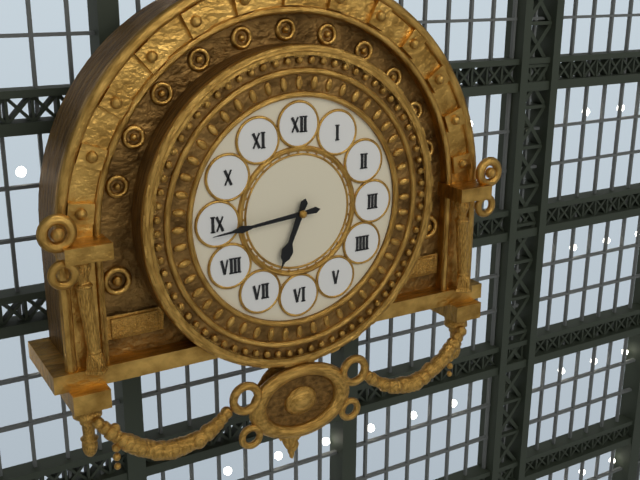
6:44
